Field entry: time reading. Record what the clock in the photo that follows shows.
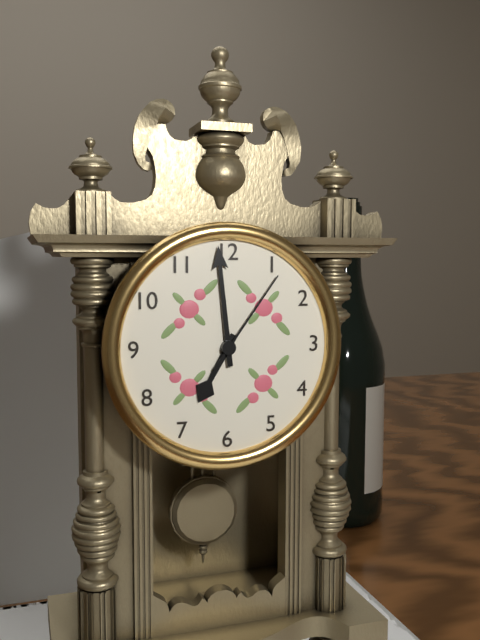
6:59:06
